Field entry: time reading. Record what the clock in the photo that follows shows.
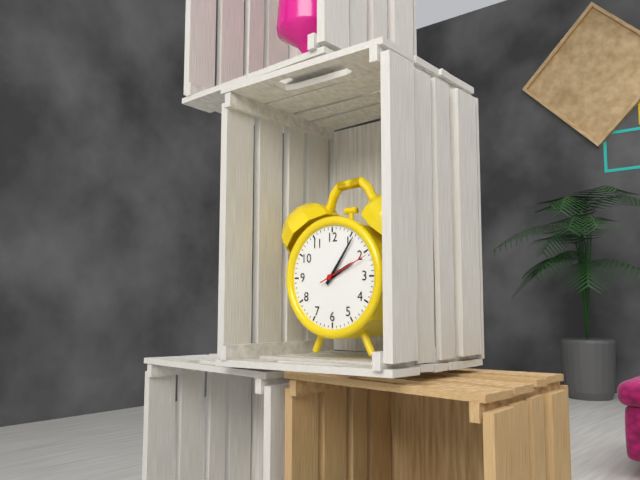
2:06:11
